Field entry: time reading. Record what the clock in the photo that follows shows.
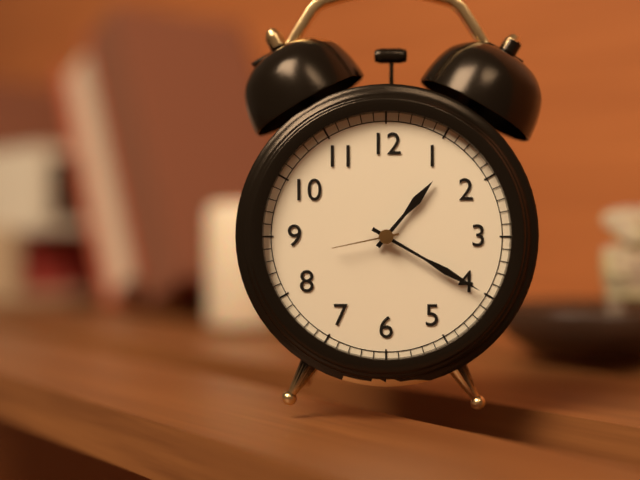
1:20:43
